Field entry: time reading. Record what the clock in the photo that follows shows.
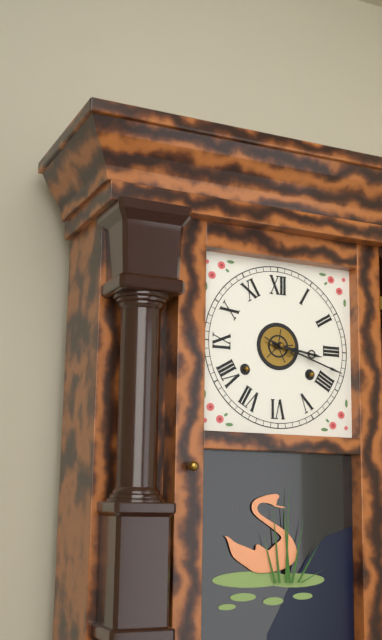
3:18
